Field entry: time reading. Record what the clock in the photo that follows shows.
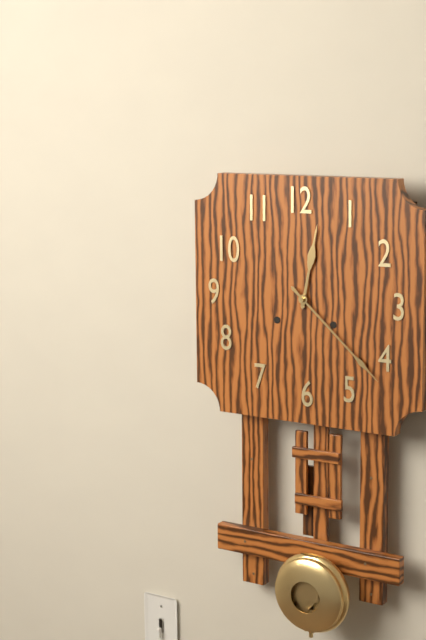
12:22
